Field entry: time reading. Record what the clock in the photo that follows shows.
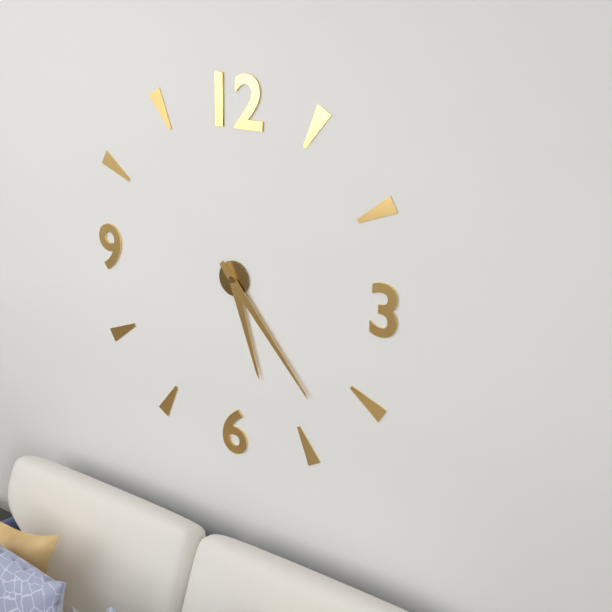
5:23
